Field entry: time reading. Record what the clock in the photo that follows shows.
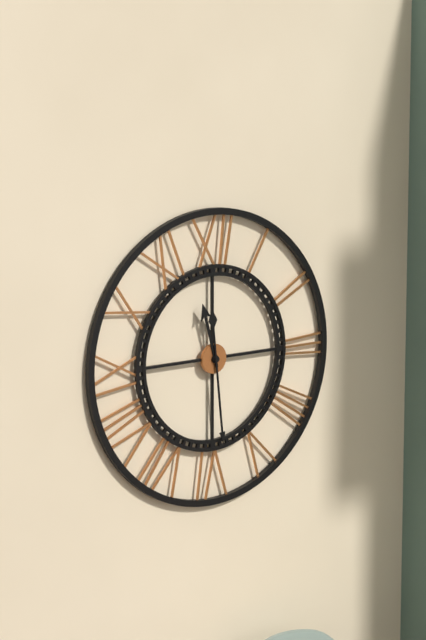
11:29
